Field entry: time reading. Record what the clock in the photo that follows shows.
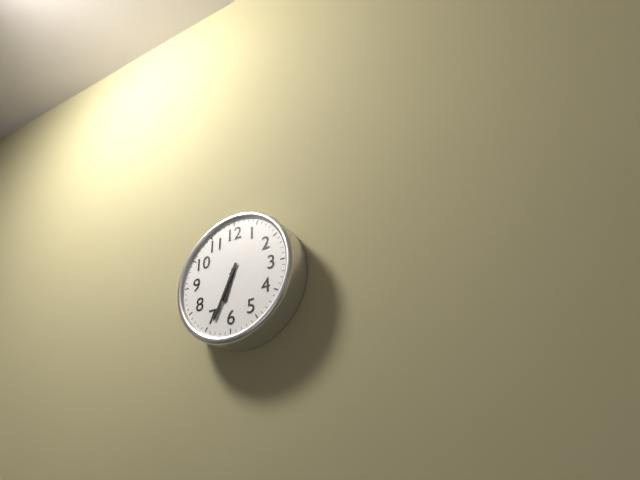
6:34
